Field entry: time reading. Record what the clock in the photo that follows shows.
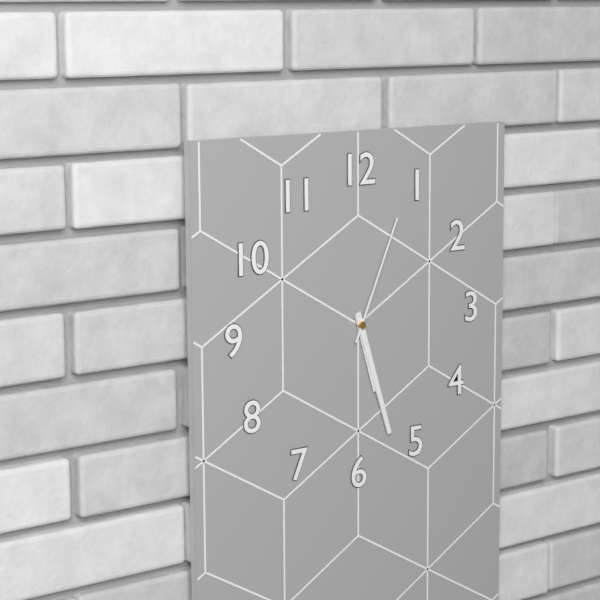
5:27:04
